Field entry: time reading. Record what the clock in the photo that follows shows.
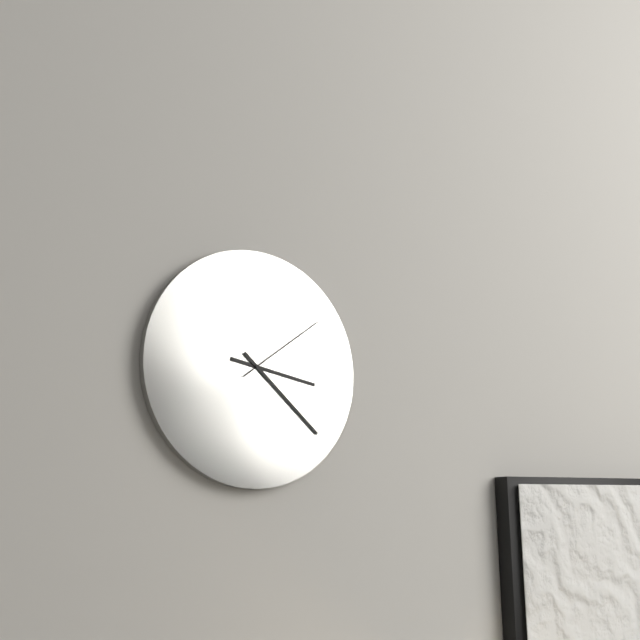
3:22:09
